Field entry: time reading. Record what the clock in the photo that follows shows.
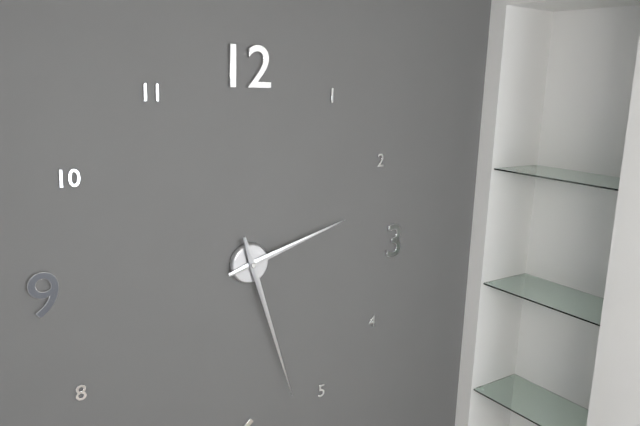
2:27
